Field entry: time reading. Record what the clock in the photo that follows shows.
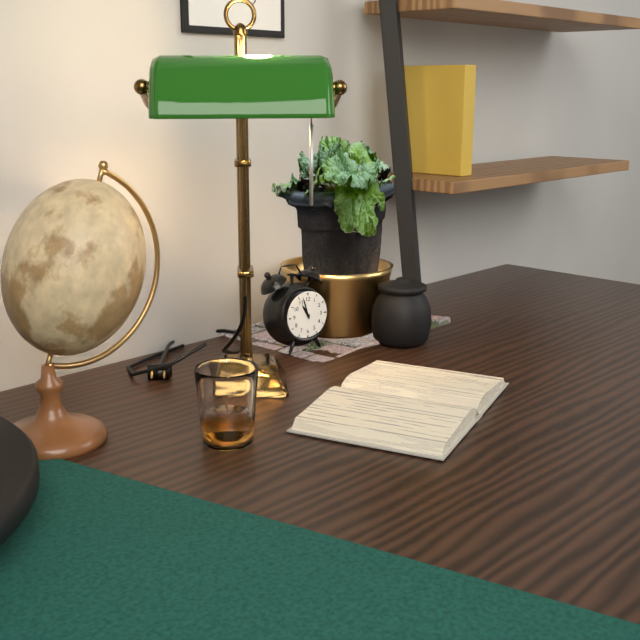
10:57
